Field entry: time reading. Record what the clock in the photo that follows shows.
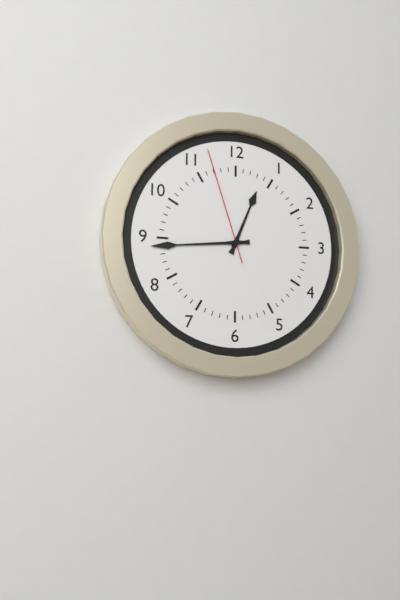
12:44:57
